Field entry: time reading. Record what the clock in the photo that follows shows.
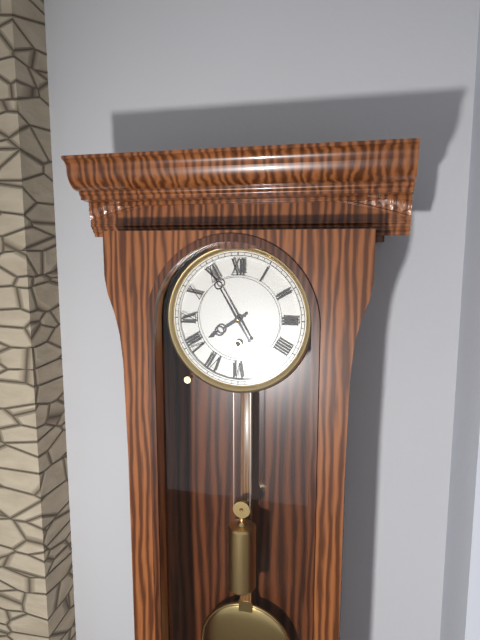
7:55
